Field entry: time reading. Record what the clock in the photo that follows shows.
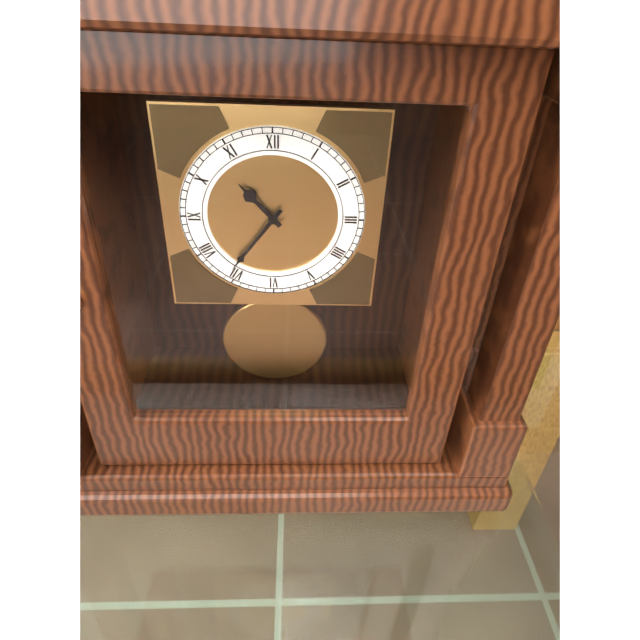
10:36
